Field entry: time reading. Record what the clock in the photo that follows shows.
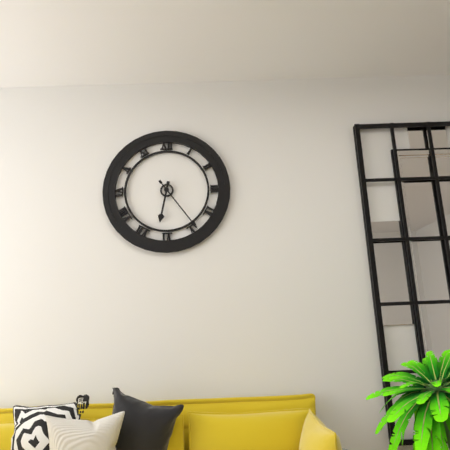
6:24
